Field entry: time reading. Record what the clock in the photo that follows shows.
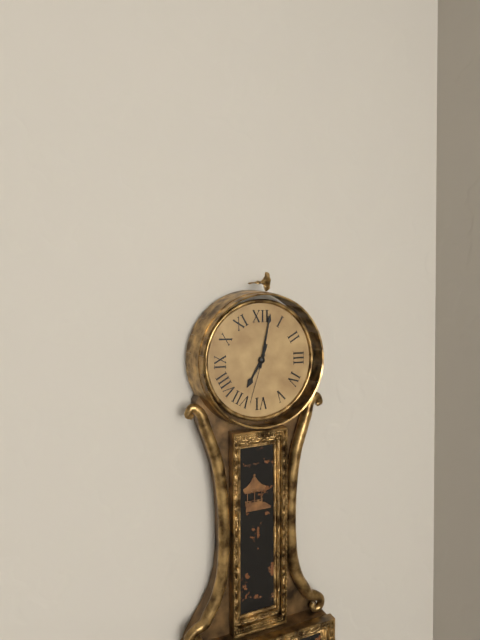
7:02:33
